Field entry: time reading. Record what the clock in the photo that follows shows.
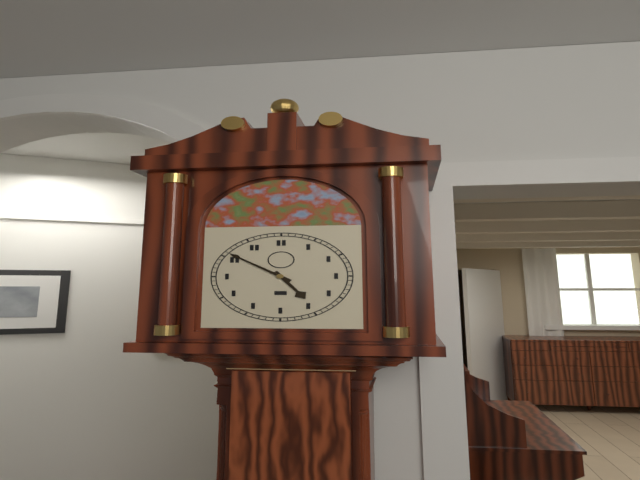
4:51
